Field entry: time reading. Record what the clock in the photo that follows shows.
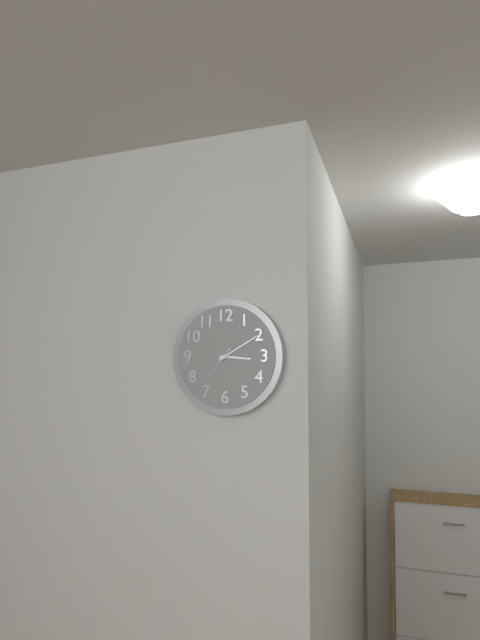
3:10:36
